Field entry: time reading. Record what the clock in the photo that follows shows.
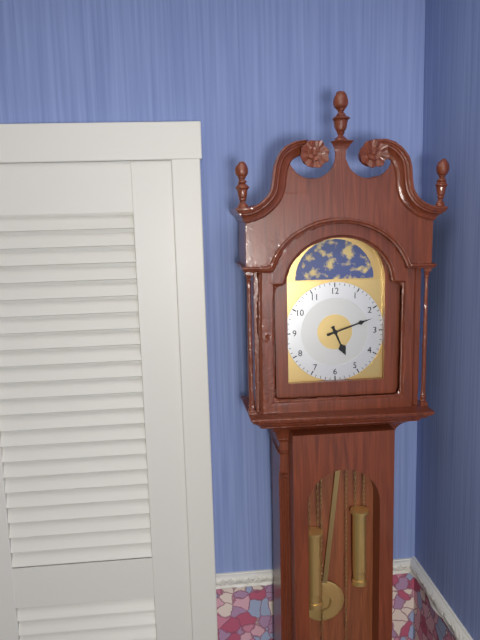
5:12
